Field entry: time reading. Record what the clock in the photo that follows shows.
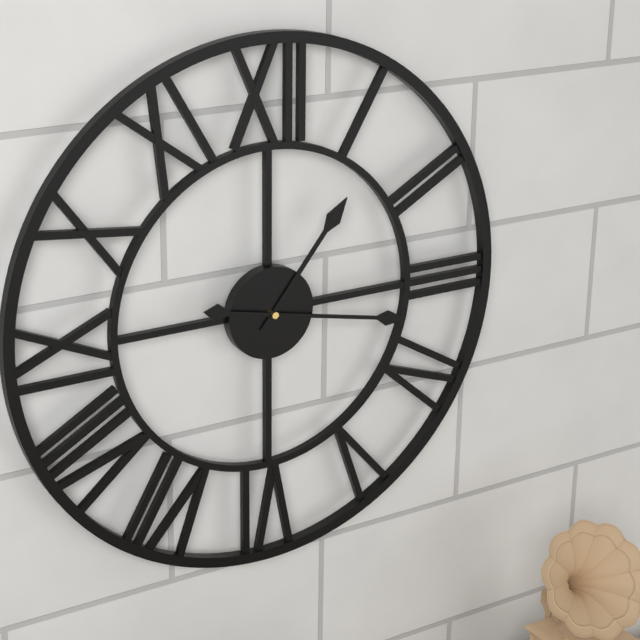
1:17
